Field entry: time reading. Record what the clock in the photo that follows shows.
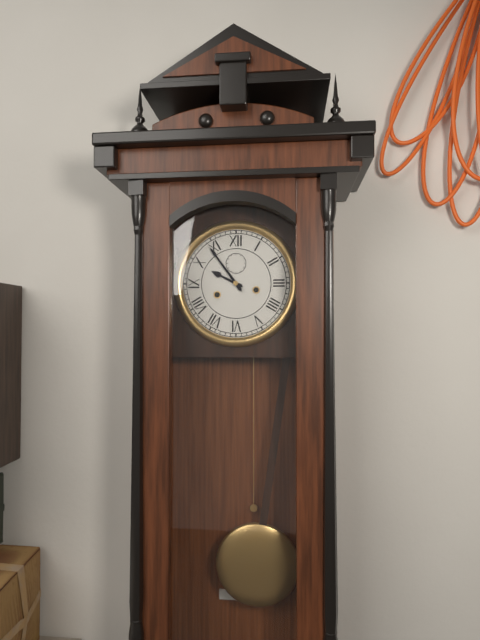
9:54
